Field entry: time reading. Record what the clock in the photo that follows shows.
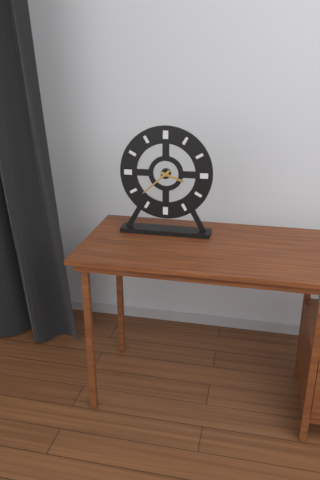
3:38
